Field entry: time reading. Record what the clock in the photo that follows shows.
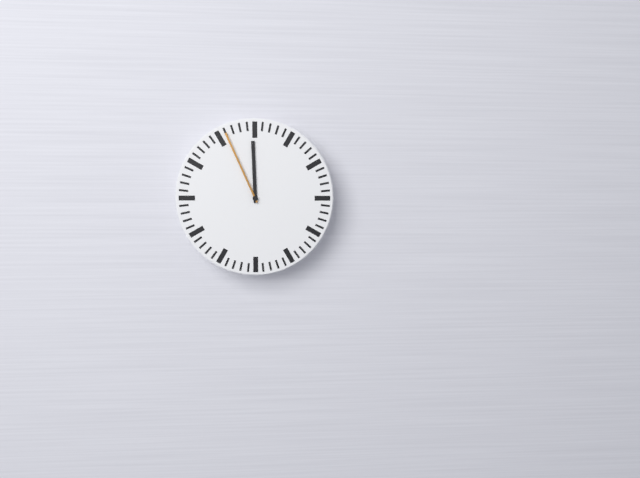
11:56
